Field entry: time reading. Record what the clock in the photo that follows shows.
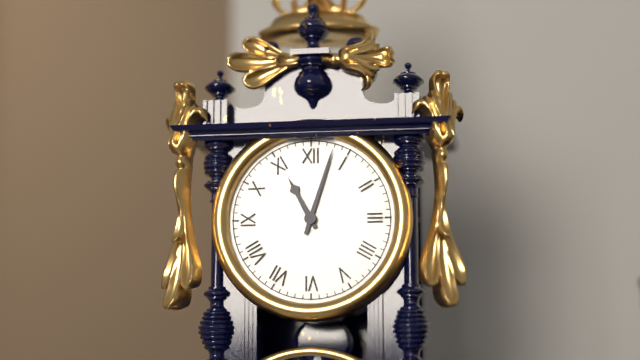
11:03
